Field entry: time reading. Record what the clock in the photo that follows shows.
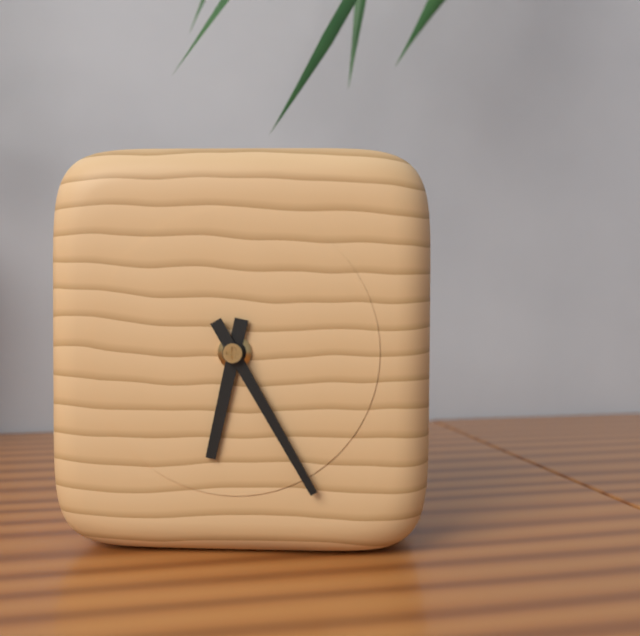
6:25
